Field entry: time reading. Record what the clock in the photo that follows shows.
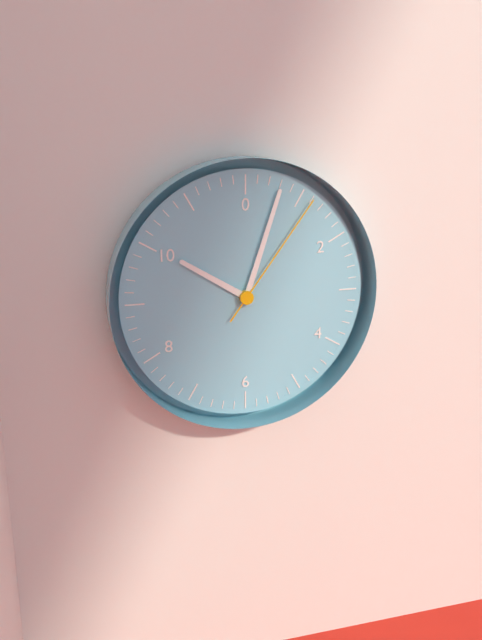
10:03:06
